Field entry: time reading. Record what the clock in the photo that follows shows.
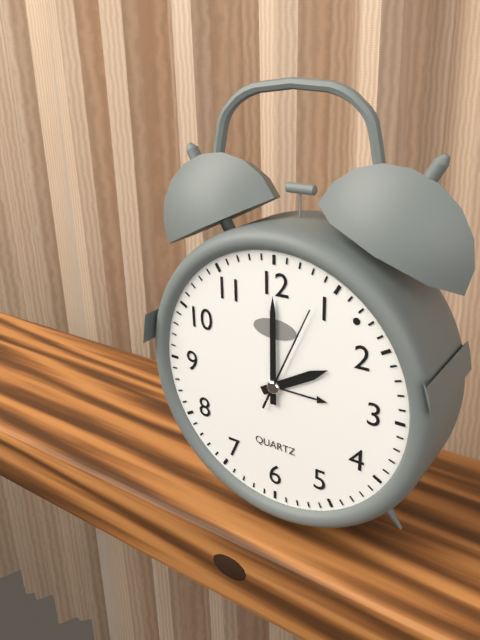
2:00:04
